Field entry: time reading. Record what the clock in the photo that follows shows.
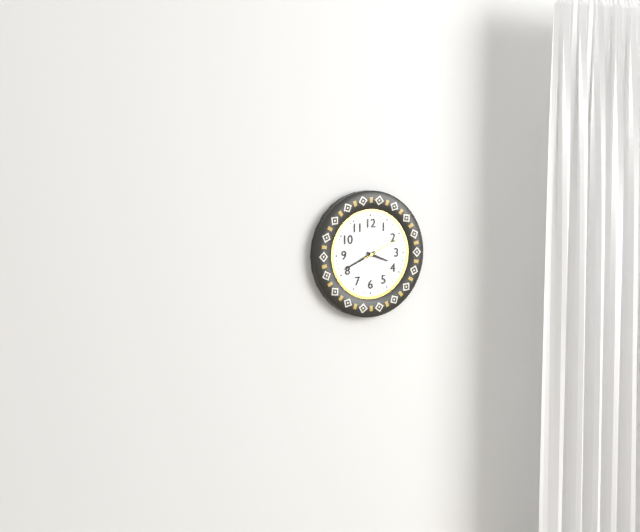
3:41
